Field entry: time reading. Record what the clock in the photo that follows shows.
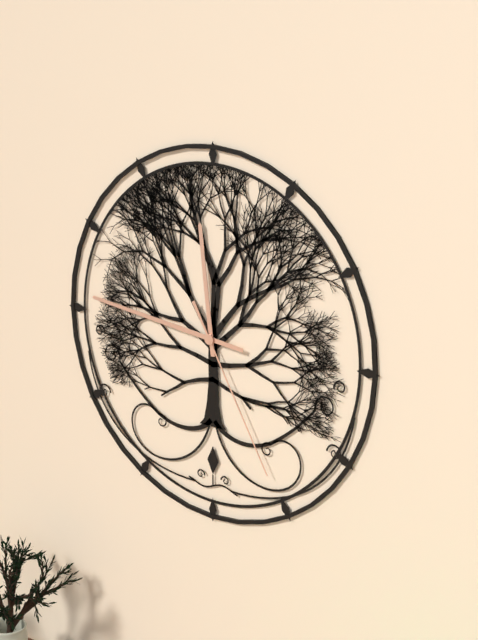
11:46:25
